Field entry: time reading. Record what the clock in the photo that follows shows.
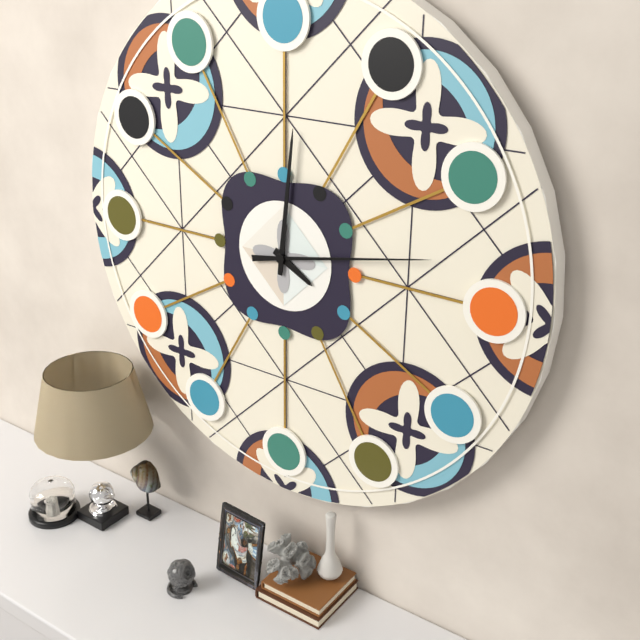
4:01:13
